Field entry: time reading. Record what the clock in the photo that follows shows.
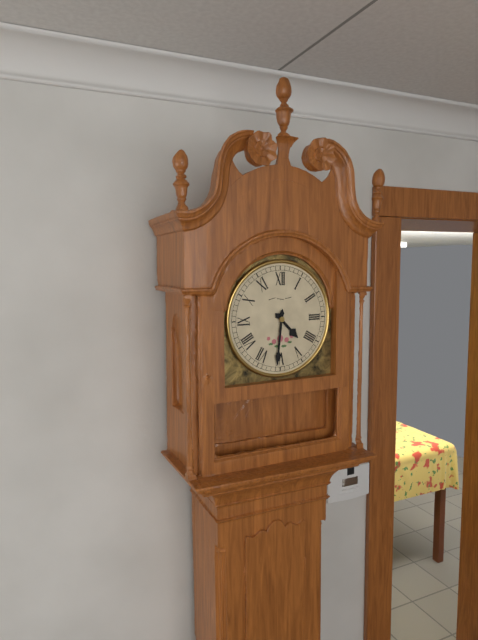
4:31
